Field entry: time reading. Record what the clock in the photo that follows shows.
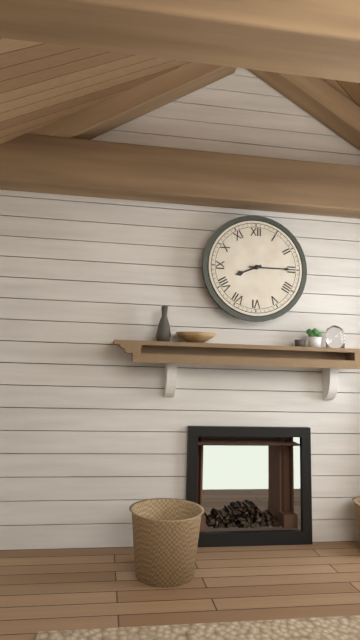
8:15
